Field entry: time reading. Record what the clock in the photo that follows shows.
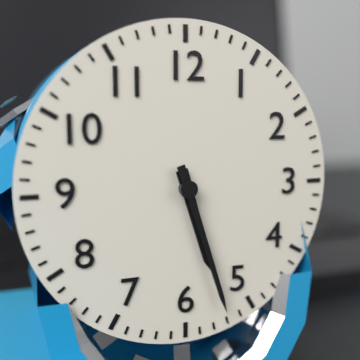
5:27
